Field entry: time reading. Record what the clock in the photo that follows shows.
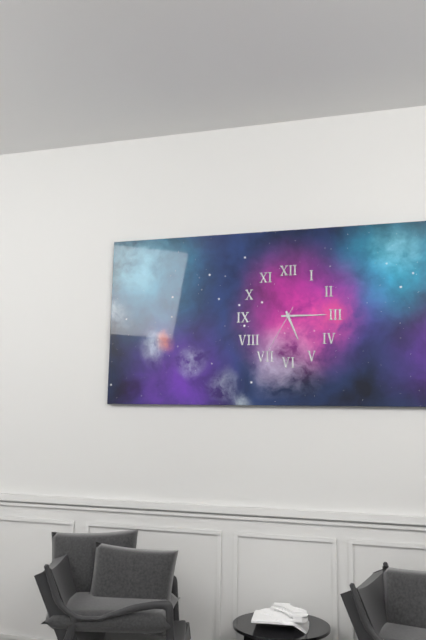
5:15:35
